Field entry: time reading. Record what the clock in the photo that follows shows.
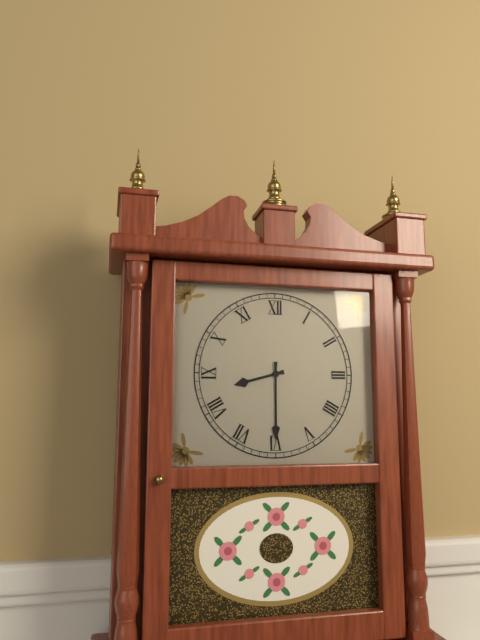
8:30
